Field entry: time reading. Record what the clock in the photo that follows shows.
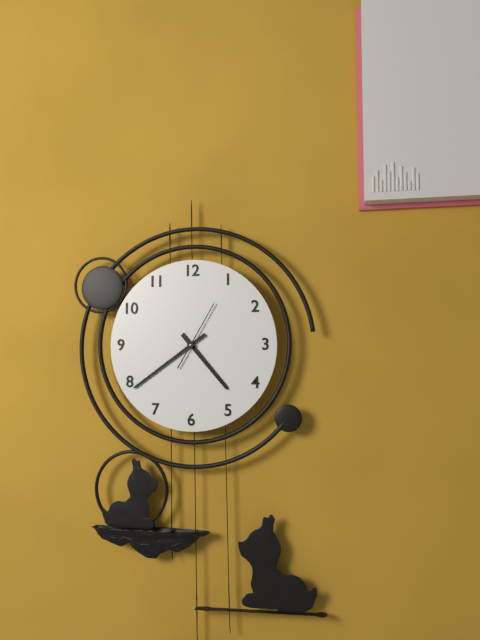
4:39:05
